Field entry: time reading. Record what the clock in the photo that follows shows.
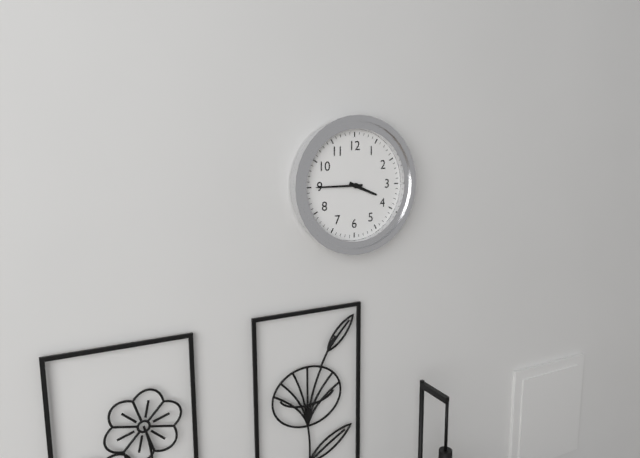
3:45
